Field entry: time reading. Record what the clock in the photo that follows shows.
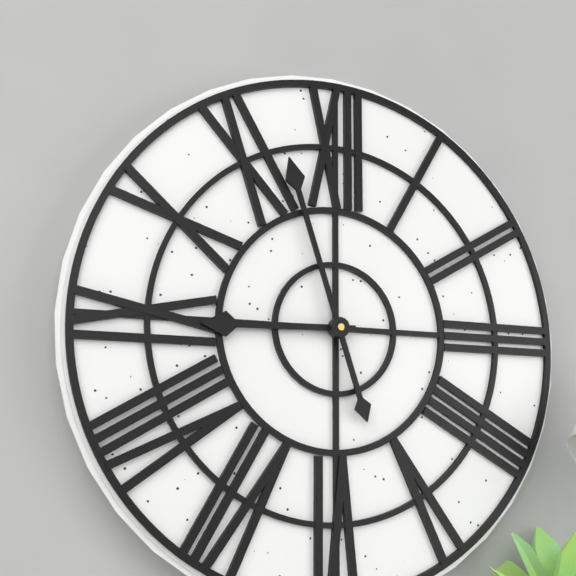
8:57
